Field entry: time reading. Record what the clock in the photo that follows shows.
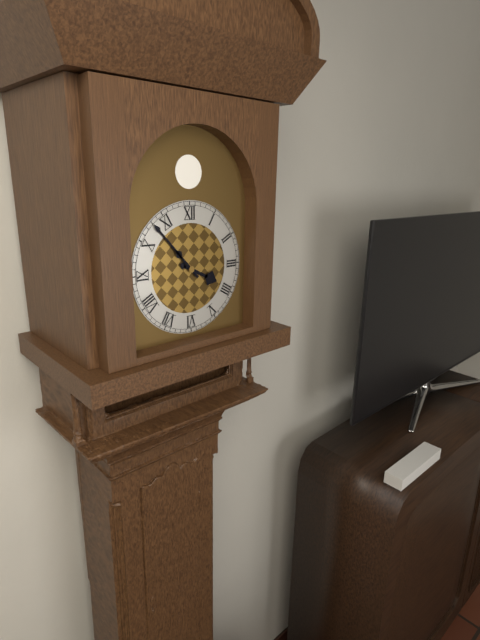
3:53
